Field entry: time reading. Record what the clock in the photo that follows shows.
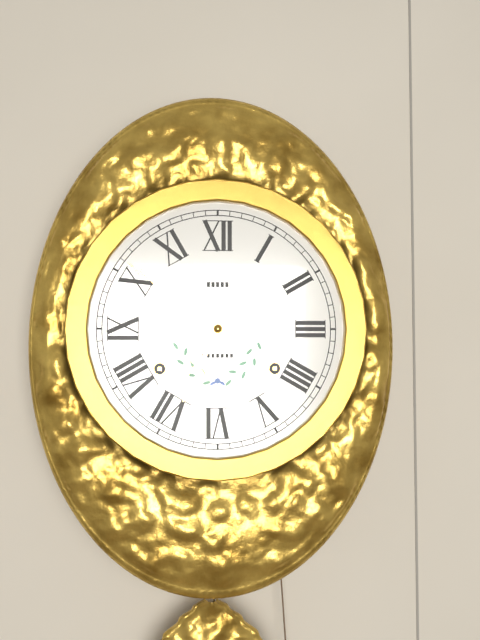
6:51
